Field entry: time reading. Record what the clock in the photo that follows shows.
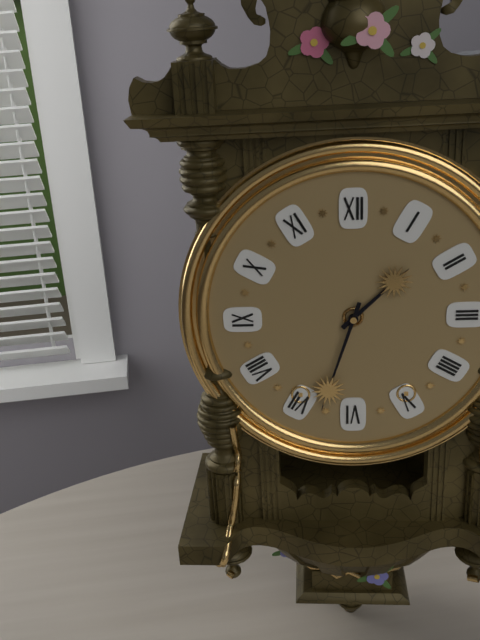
1:33
